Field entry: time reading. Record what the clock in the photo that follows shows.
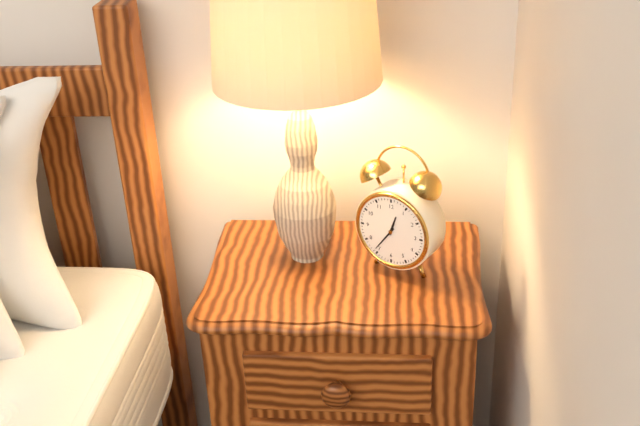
12:36
